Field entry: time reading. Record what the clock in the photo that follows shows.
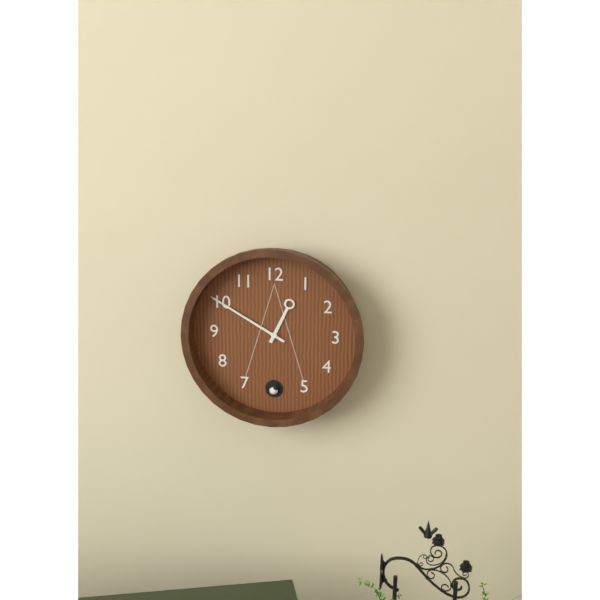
12:50
